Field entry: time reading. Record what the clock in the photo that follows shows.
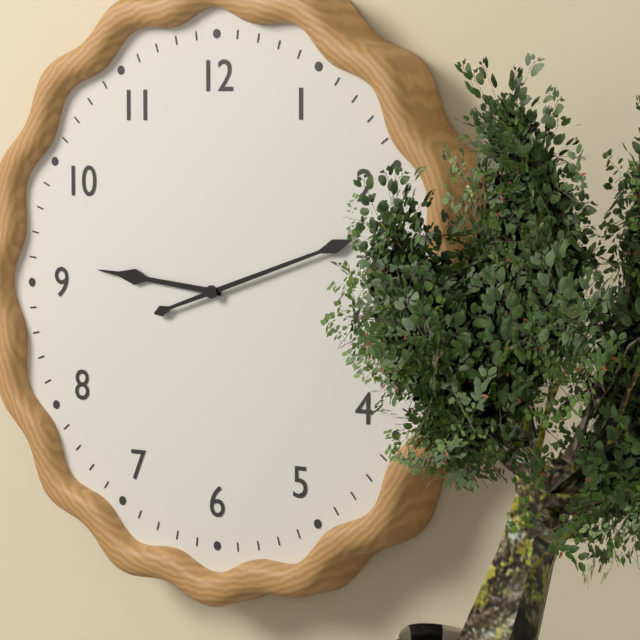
9:12
